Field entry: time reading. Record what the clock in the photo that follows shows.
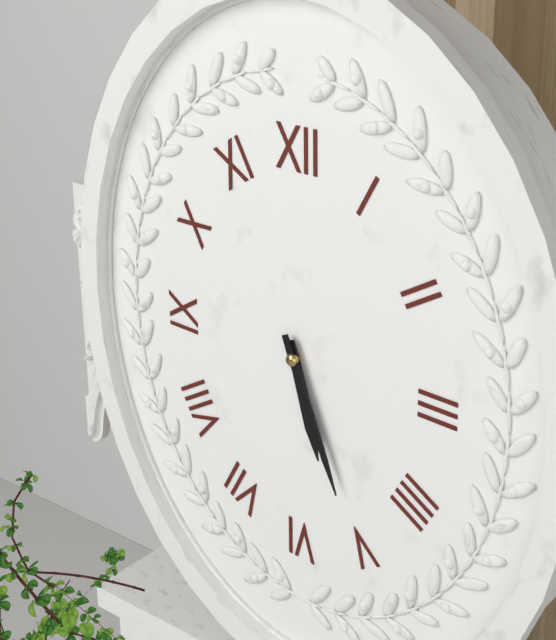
5:26
